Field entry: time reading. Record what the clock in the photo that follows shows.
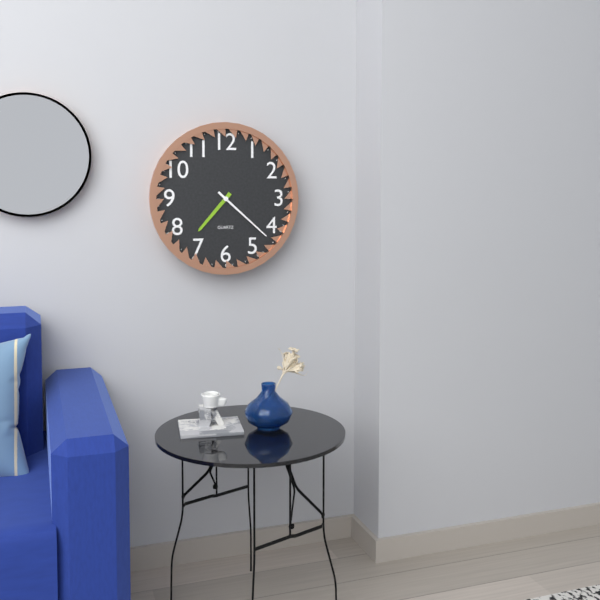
7:22
